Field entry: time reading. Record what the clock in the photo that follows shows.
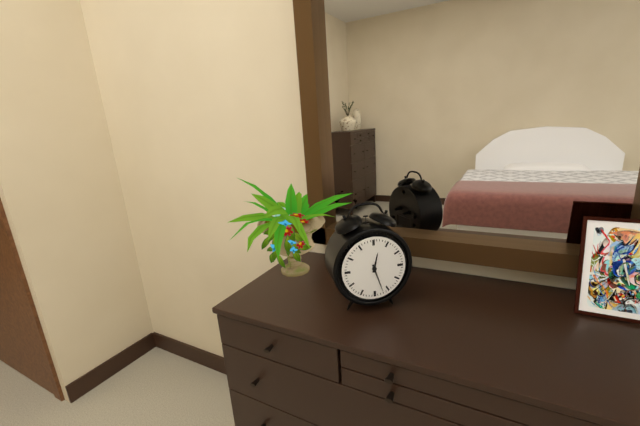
12:27
